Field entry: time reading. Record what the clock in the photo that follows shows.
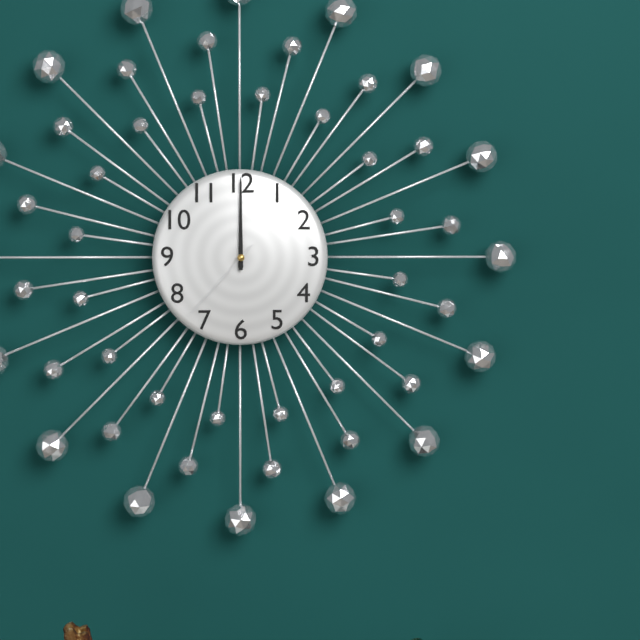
12:00:37
